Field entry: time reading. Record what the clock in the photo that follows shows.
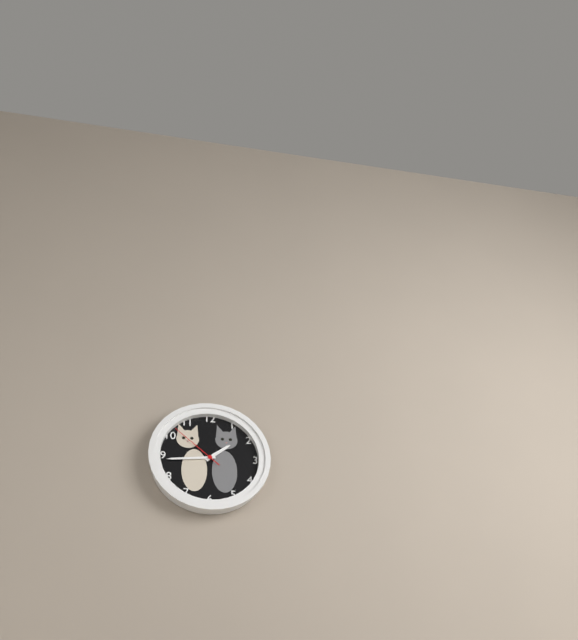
1:44:52
